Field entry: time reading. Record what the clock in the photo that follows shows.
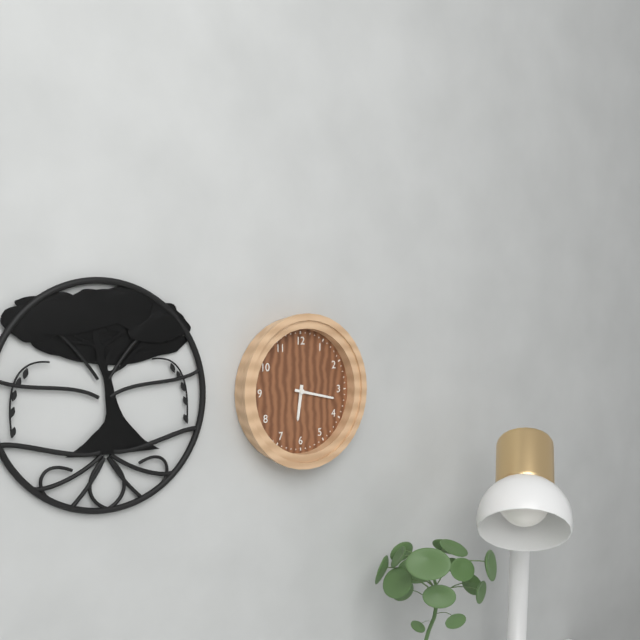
6:17
